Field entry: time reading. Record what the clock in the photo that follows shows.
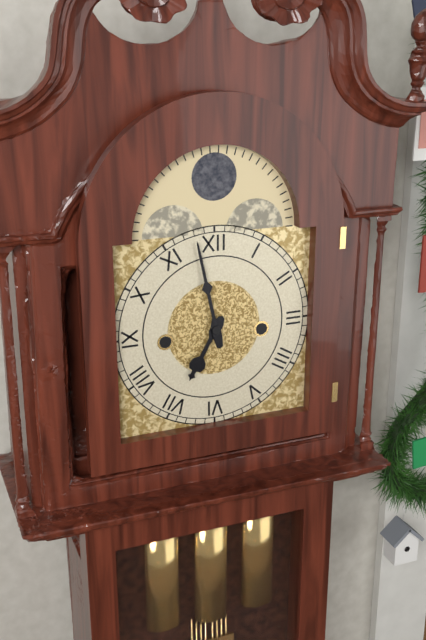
6:58
